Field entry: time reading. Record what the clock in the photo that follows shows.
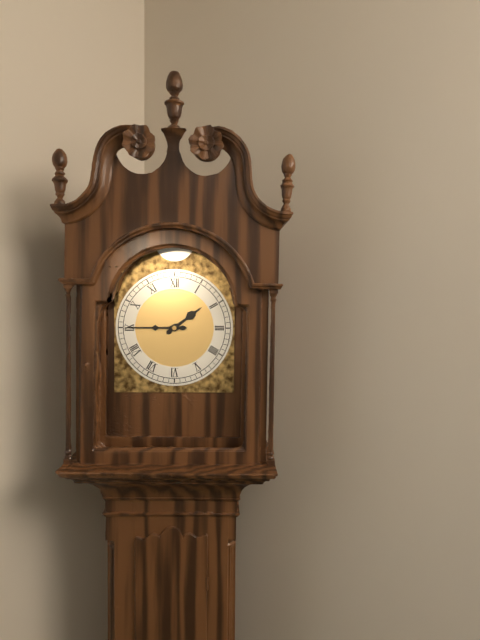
1:45
